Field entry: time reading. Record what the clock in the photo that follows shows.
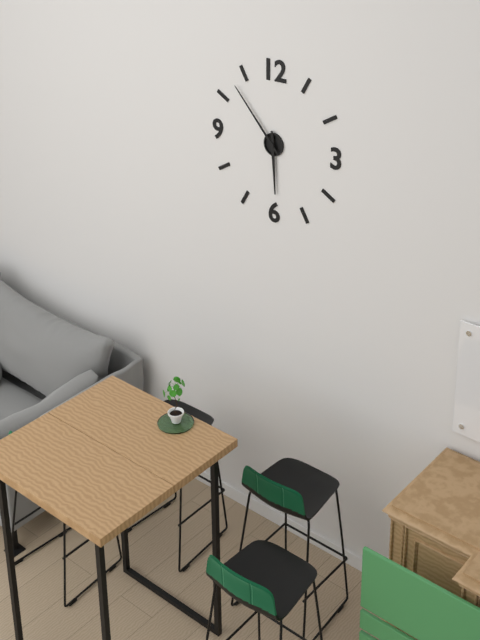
5:53
